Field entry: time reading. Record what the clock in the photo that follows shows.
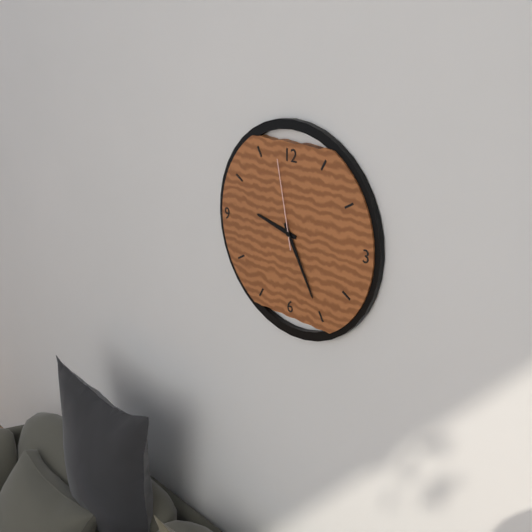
9:25:58
